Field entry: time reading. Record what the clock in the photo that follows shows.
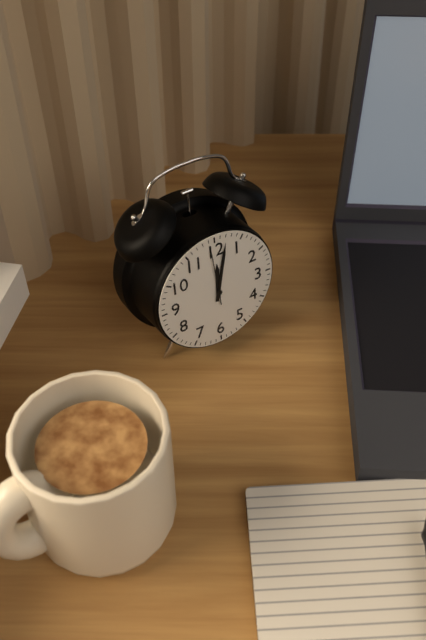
12:02:59
